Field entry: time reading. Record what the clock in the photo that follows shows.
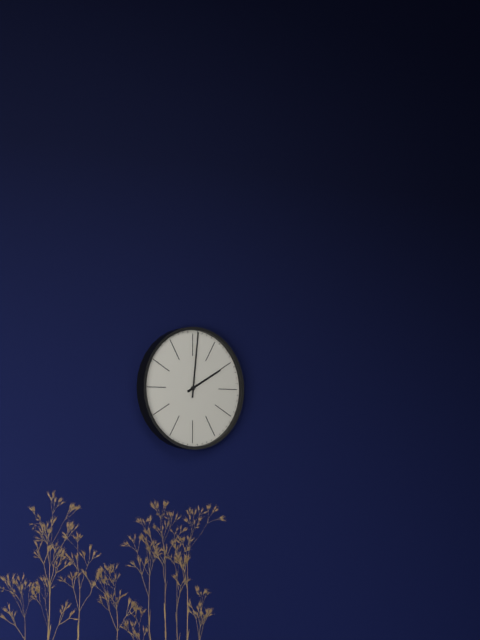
2:01
